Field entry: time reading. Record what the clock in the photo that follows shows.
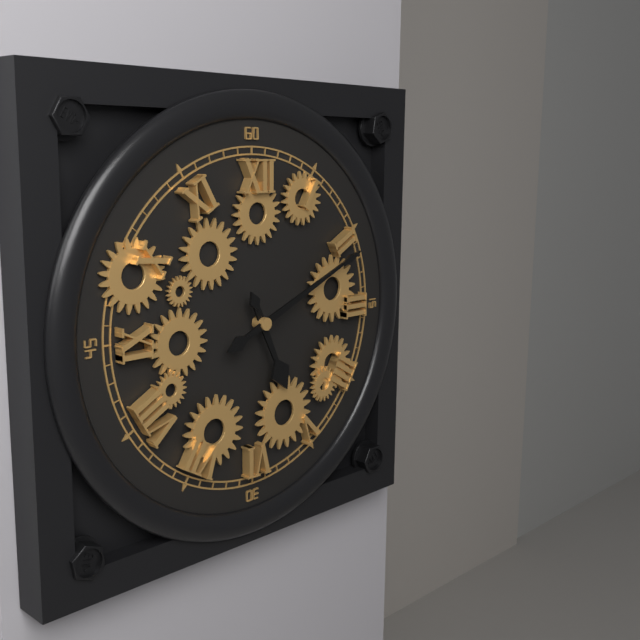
5:11
